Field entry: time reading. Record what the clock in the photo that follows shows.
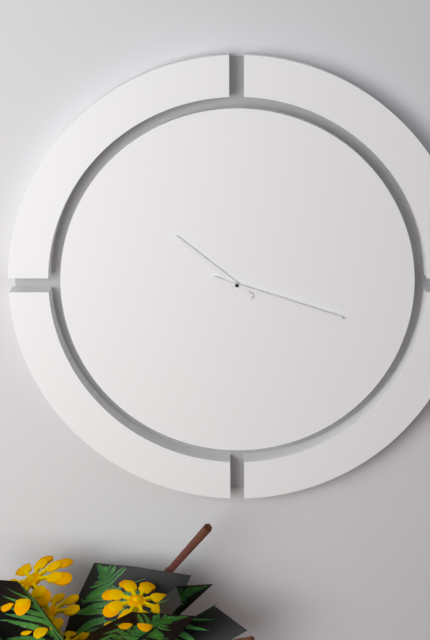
10:18
